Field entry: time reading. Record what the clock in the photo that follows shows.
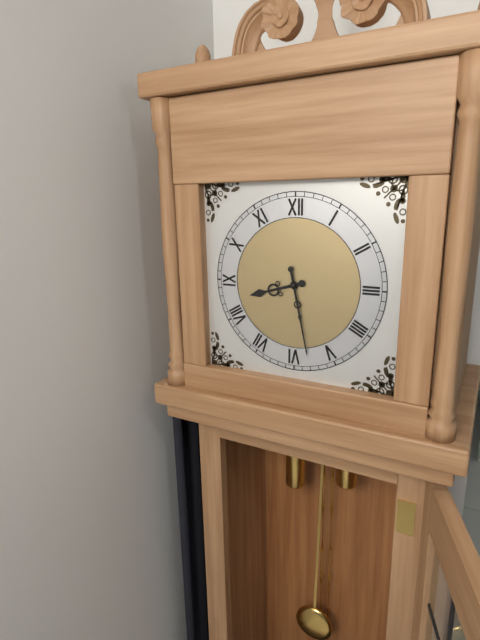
8:28
